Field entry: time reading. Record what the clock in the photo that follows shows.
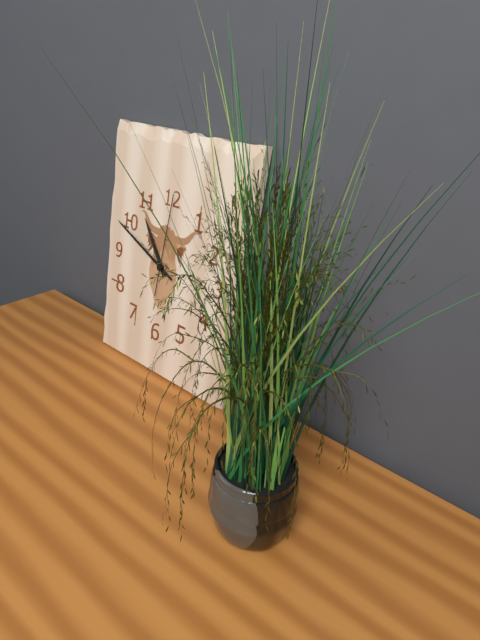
10:49:01
